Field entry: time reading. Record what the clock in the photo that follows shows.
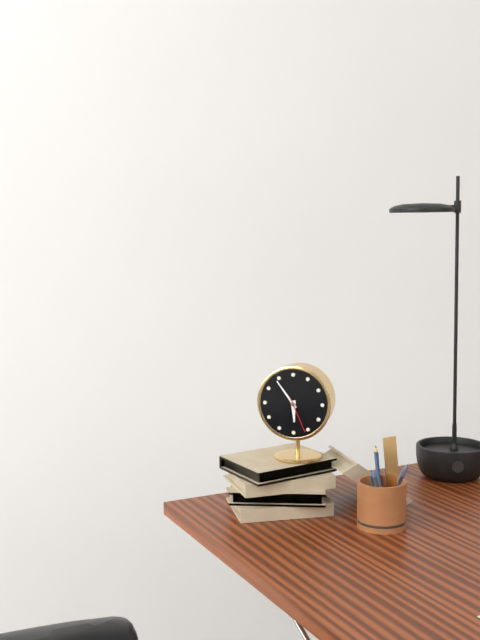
5:54
